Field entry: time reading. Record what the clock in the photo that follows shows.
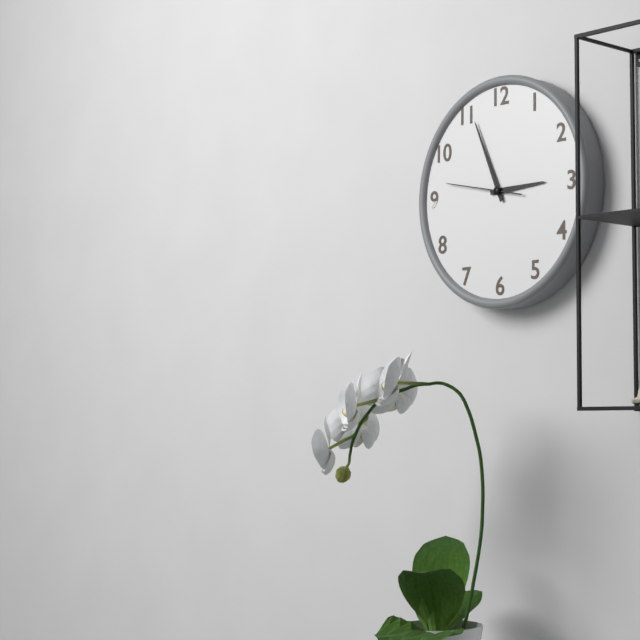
2:56:47
